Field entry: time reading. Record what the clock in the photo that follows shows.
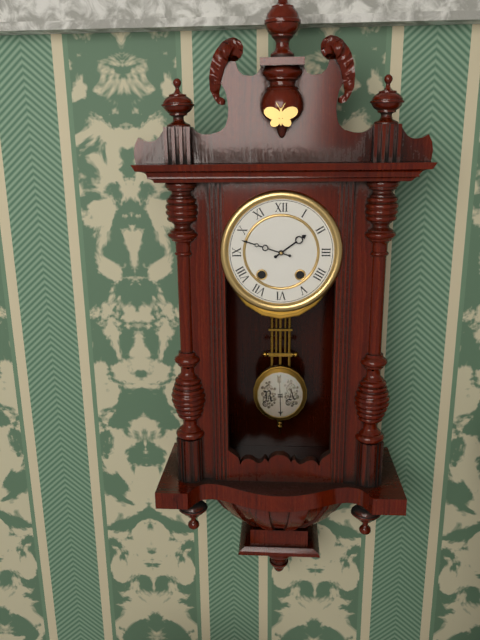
1:48
